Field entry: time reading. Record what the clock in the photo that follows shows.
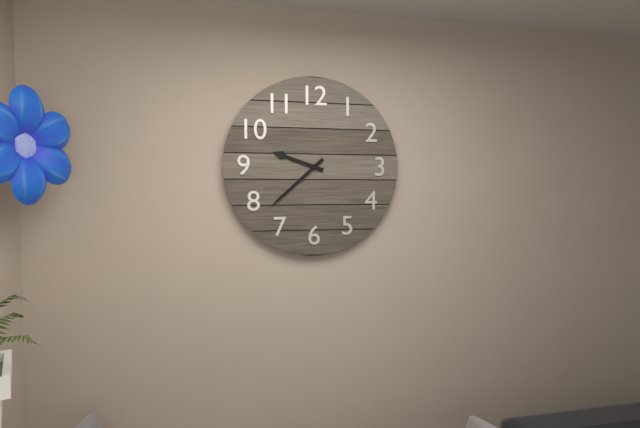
9:38
